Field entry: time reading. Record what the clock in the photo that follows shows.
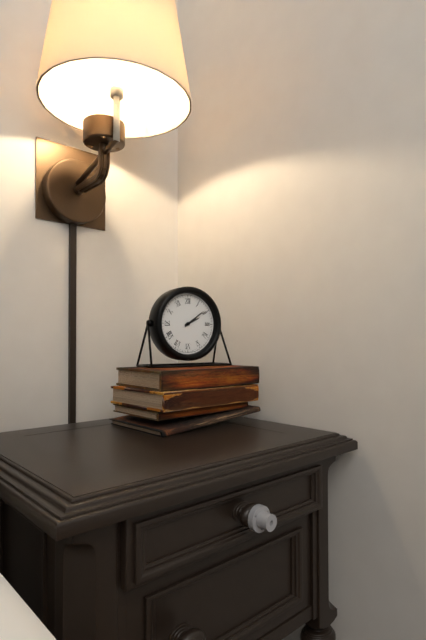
2:09
